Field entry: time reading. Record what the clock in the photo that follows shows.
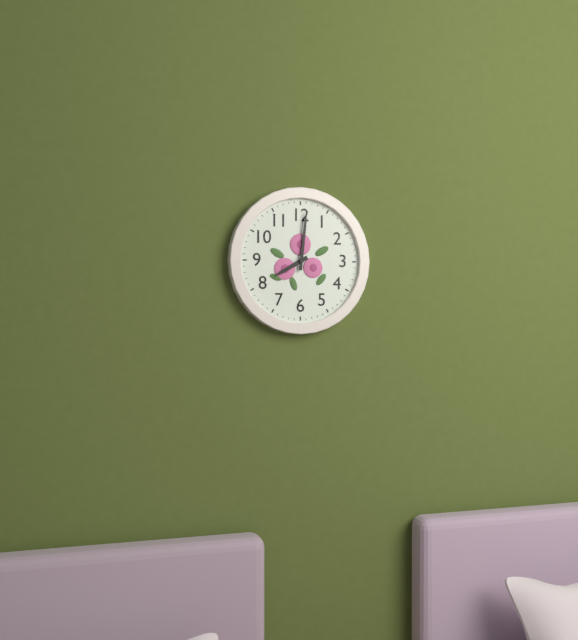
8:01
